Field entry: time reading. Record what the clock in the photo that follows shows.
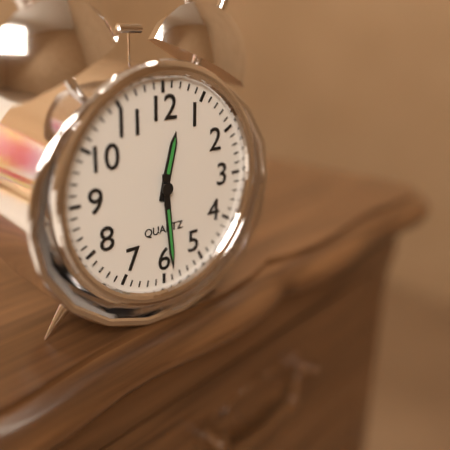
12:29
